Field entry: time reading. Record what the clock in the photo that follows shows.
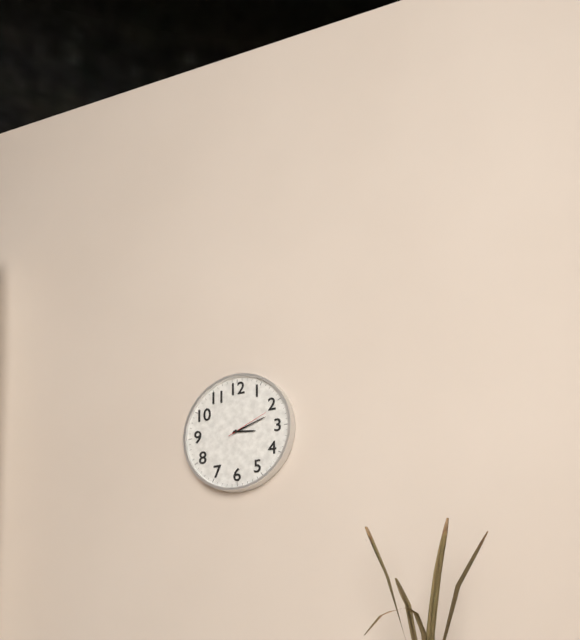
3:12
